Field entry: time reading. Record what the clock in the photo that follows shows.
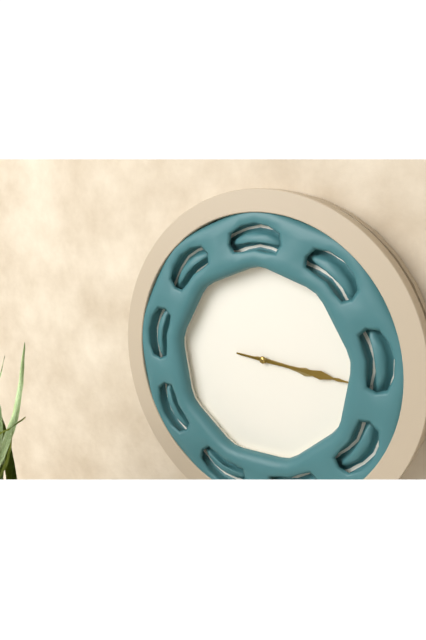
3:16
